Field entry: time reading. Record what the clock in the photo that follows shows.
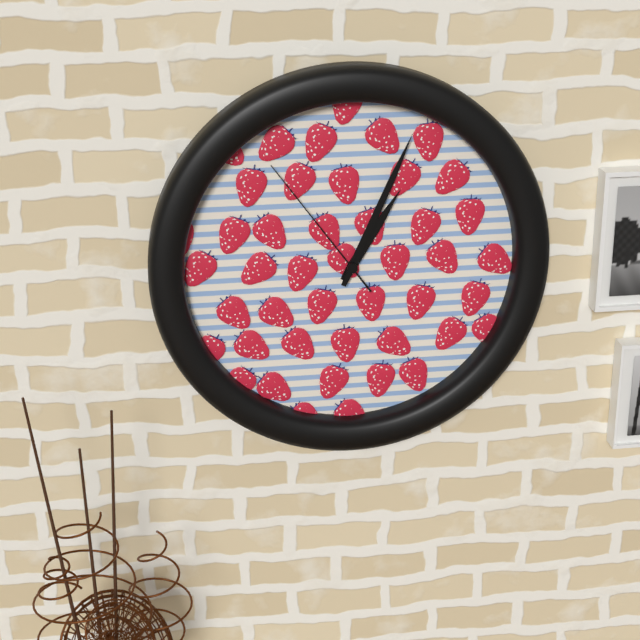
1:04:54
